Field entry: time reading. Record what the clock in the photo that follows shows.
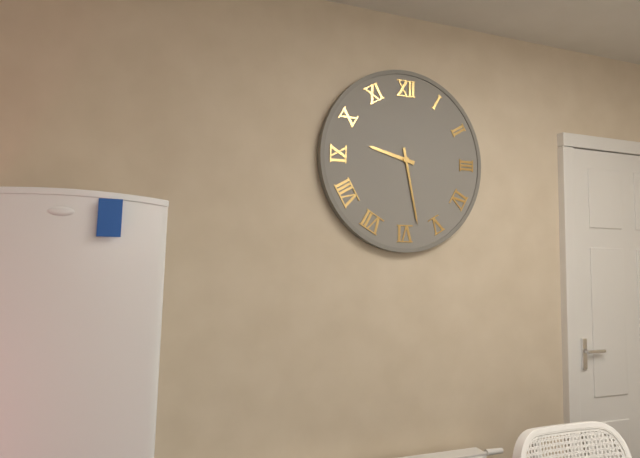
9:28
